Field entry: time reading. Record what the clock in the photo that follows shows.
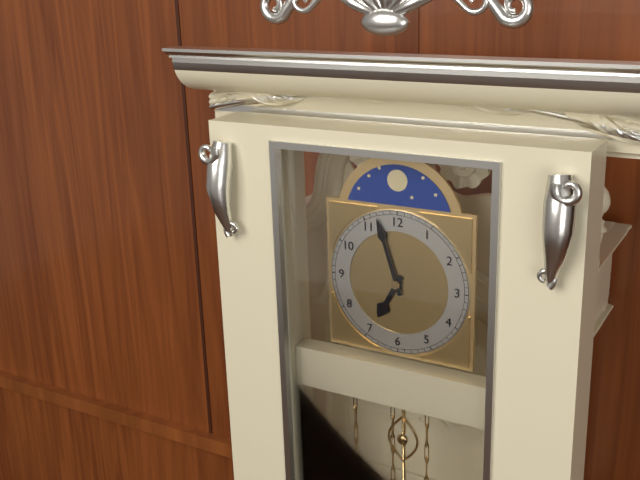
6:57
